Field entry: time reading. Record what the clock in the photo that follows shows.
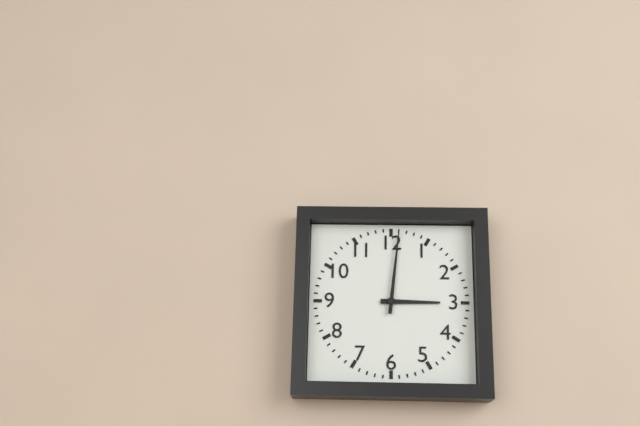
3:01
